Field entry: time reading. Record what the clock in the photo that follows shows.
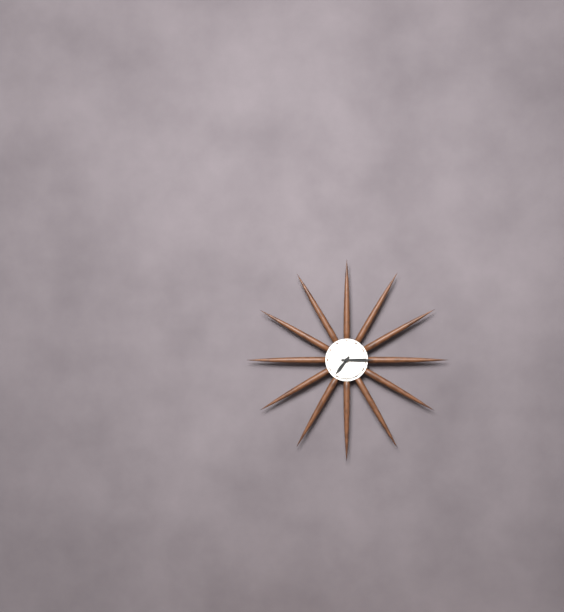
7:15
